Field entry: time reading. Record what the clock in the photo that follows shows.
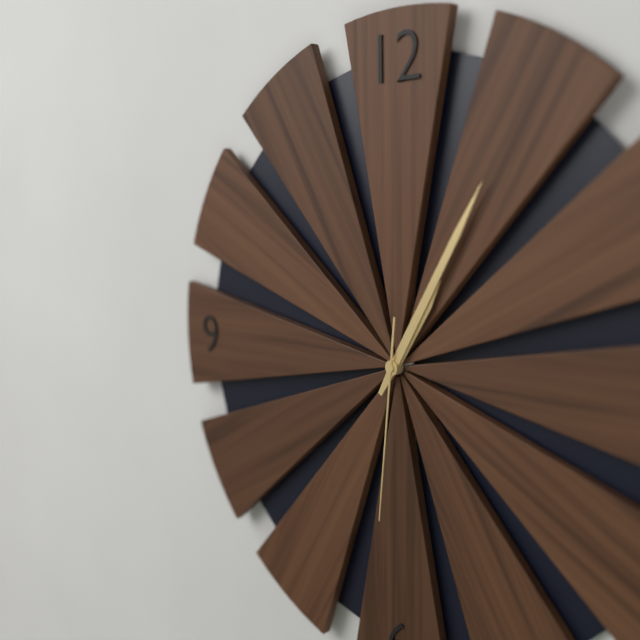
1:05:31
